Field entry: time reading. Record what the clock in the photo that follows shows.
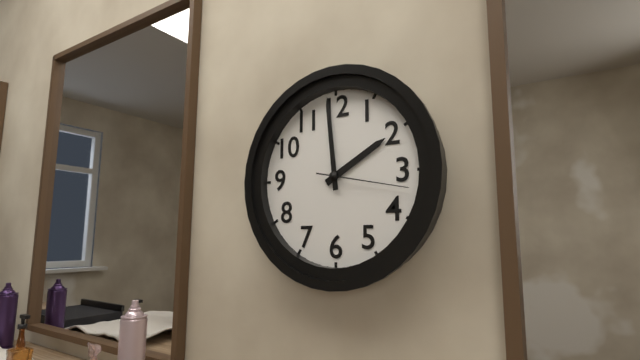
1:59:17
